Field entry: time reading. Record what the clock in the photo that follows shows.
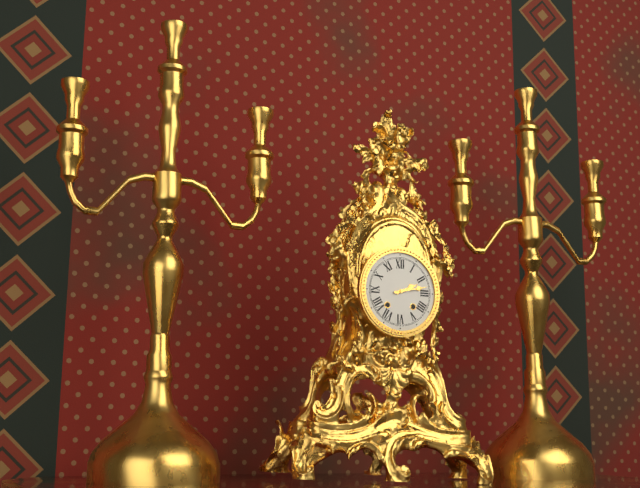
2:13
